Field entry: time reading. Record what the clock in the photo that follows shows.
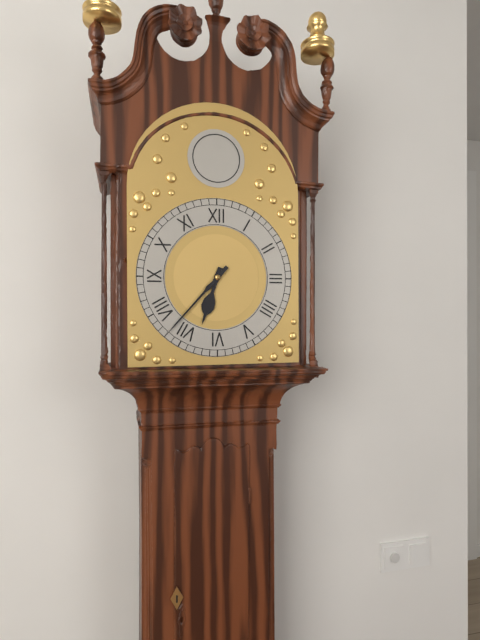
6:37
